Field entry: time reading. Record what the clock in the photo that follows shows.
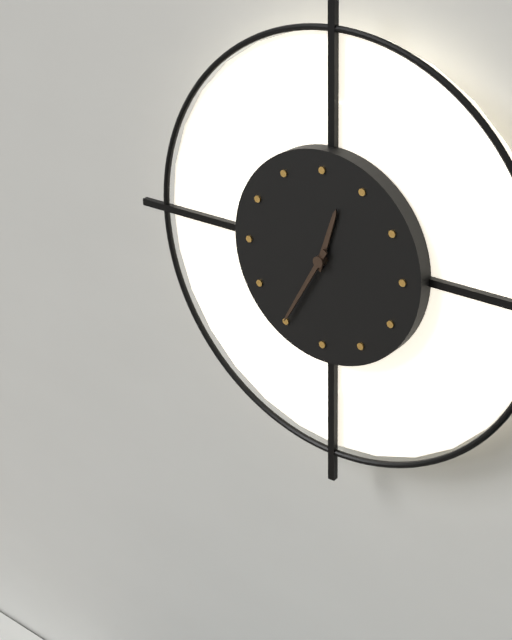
12:35
